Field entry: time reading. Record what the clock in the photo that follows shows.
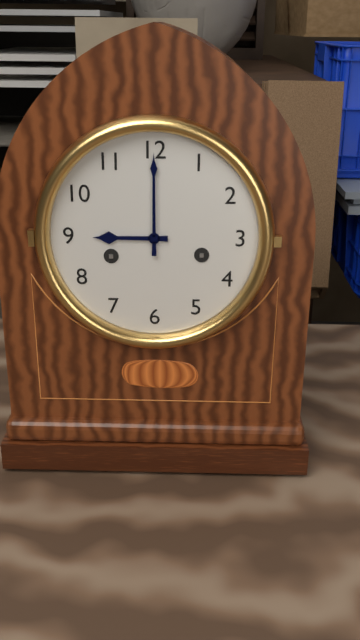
9:00
